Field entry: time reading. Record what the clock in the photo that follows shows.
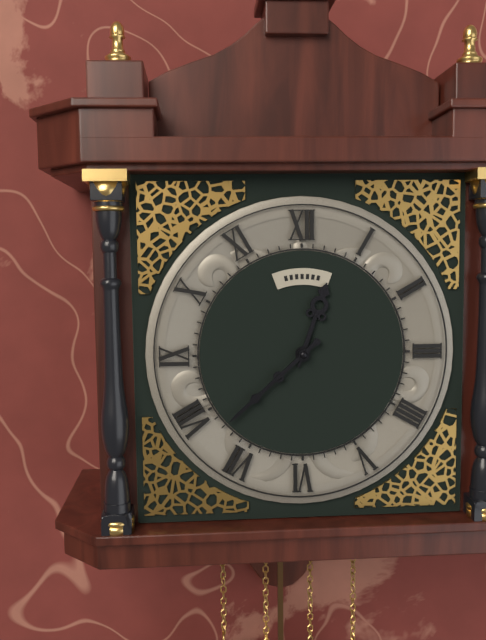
12:38
